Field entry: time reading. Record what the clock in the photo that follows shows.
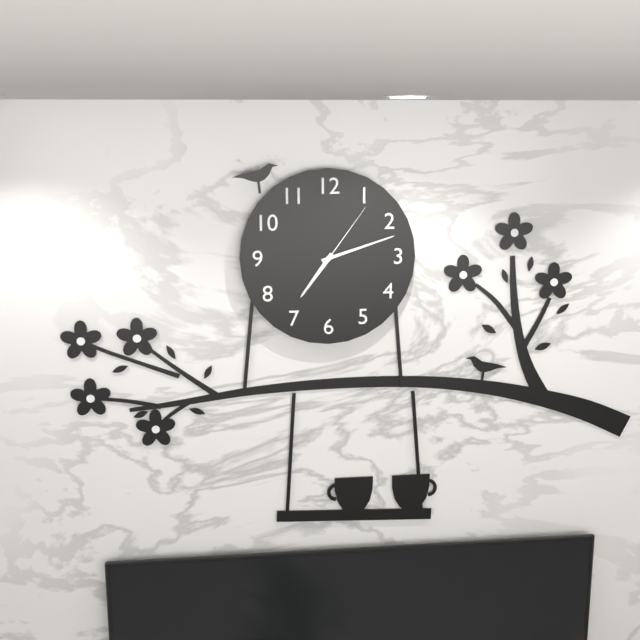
7:12:06
